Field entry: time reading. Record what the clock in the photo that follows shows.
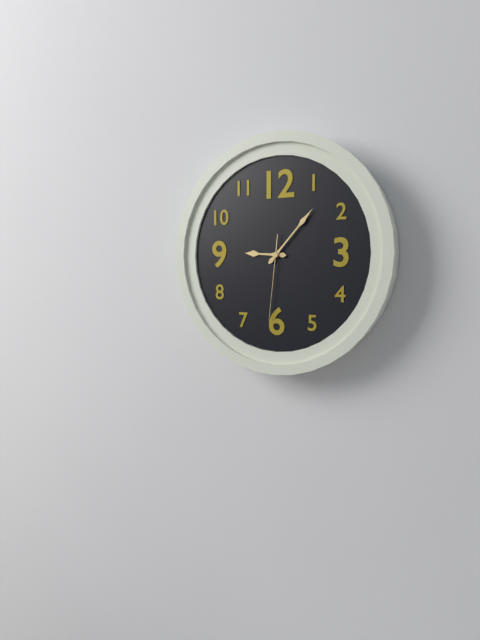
9:07:31
